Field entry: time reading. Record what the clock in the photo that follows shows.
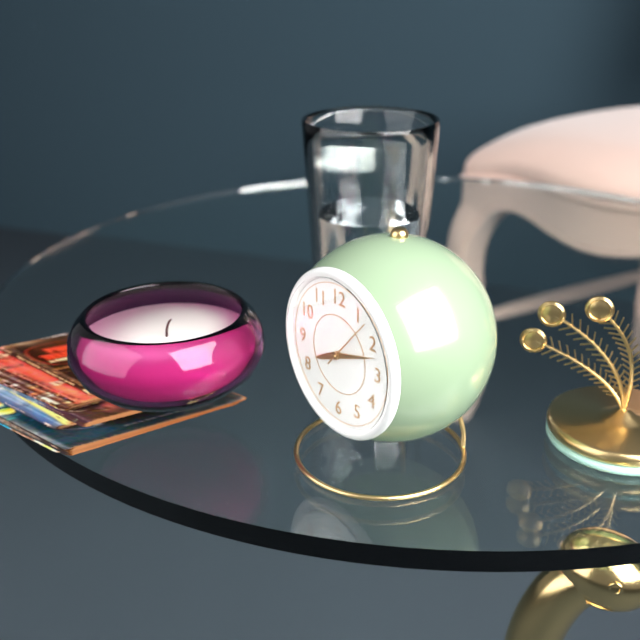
8:12:07
